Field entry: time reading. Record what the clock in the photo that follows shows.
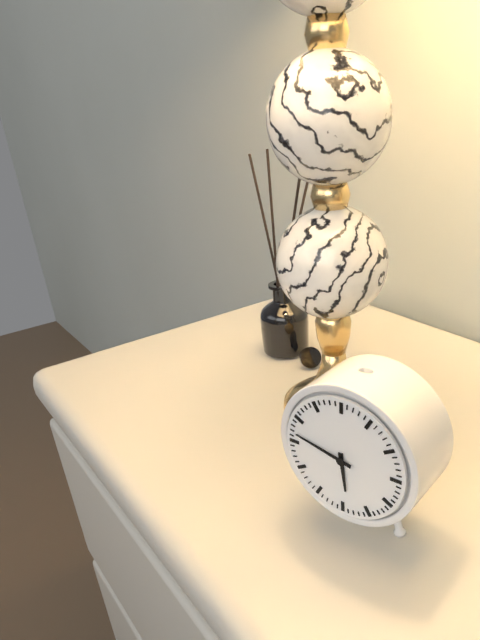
5:47
